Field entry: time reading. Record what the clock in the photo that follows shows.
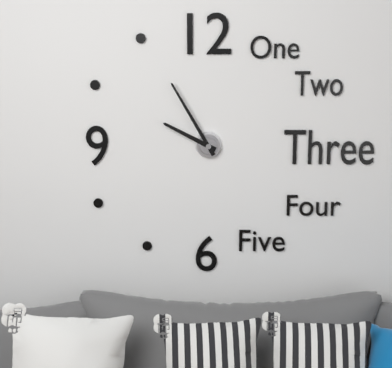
9:55
